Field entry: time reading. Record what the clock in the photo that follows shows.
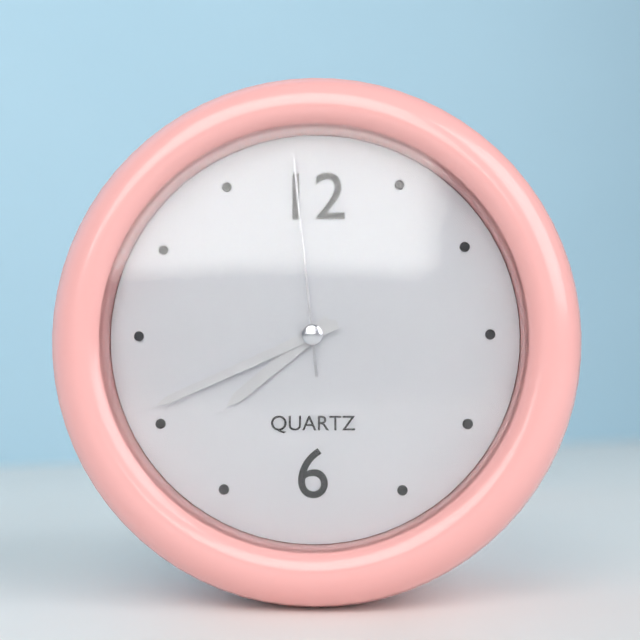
7:41:59
